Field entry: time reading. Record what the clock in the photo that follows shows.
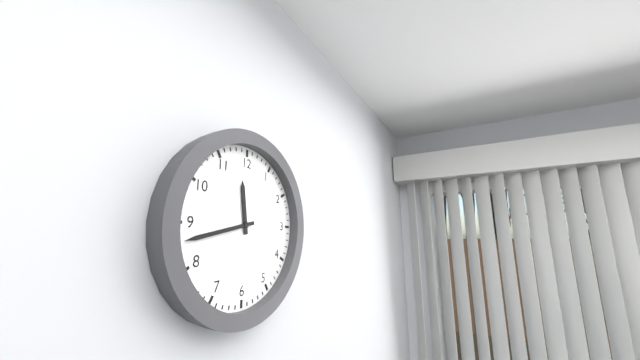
11:43
